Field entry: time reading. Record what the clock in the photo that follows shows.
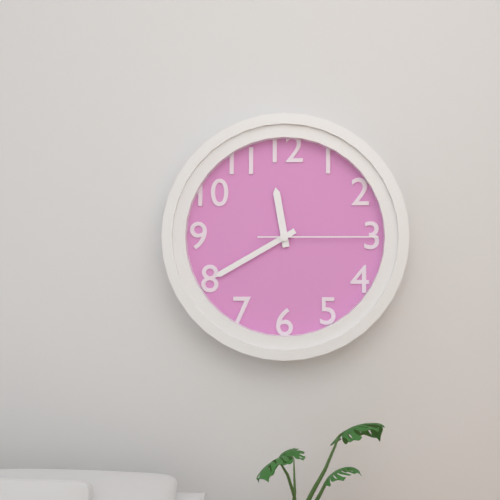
11:40:15
